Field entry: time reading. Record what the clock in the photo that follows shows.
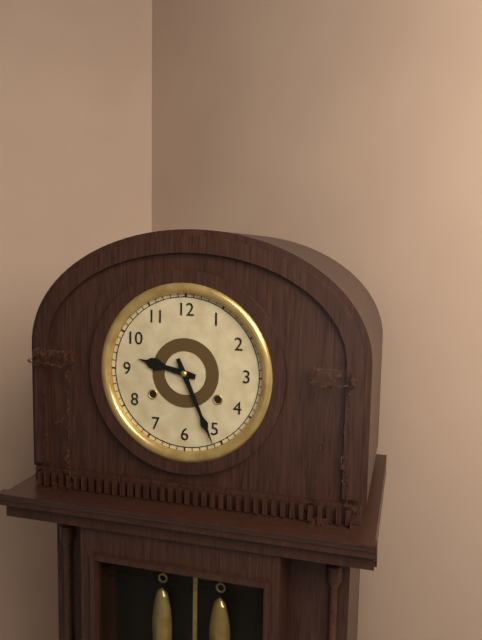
9:26
